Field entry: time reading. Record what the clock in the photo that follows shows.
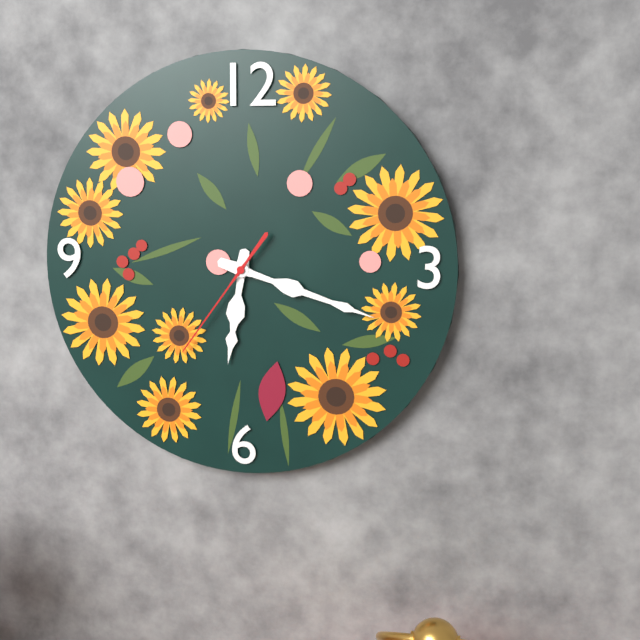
6:18:36
